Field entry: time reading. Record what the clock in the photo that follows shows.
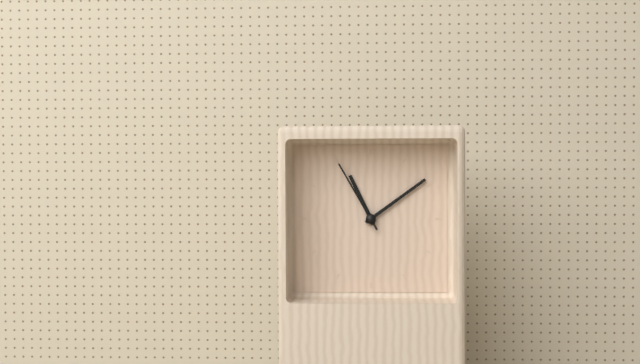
11:09:55
